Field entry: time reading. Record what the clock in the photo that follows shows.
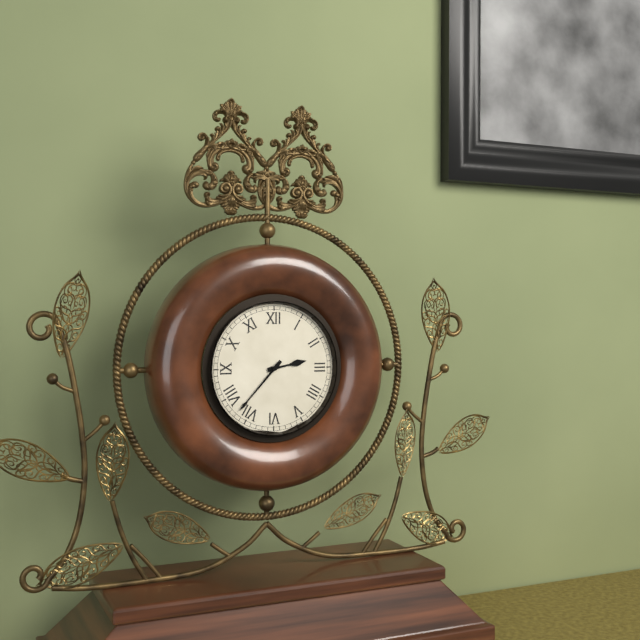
2:37
